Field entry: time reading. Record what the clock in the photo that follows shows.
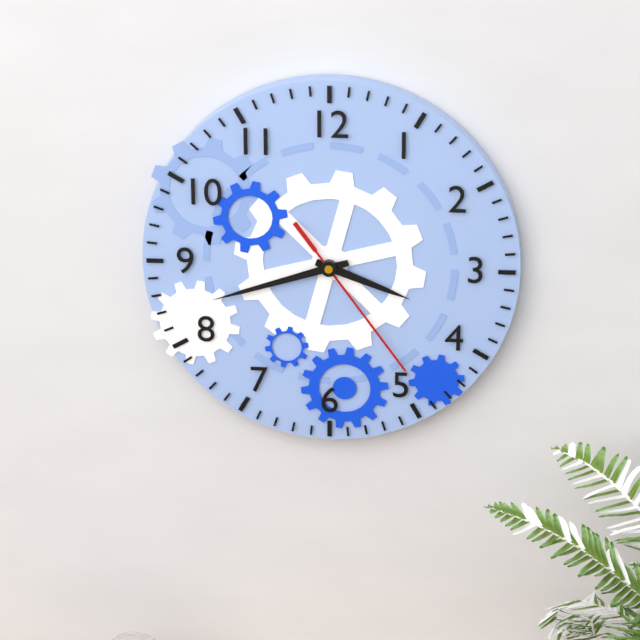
3:42:24
